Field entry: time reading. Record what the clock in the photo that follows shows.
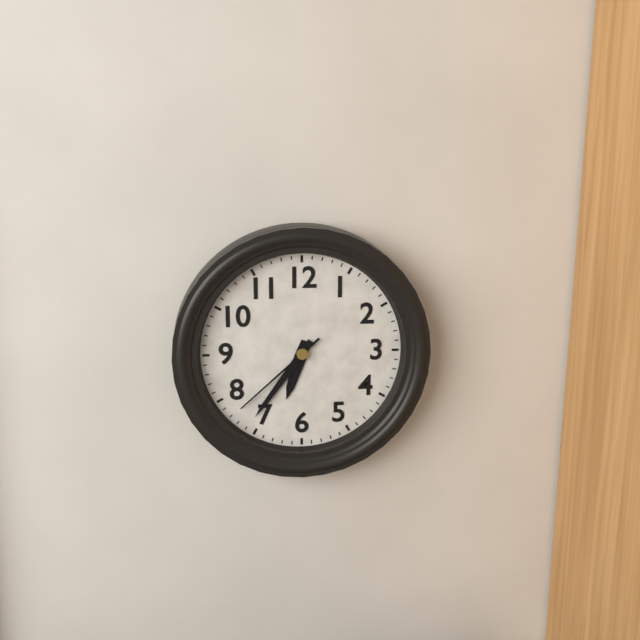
6:36:38
